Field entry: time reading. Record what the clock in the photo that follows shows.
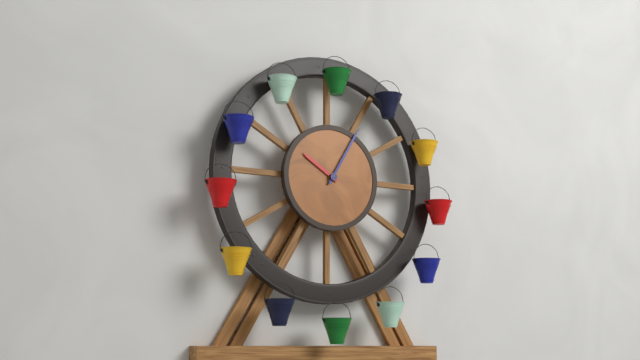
10:05
